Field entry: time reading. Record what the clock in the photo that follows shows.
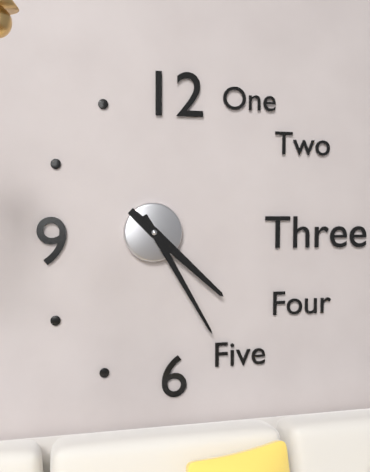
4:25
